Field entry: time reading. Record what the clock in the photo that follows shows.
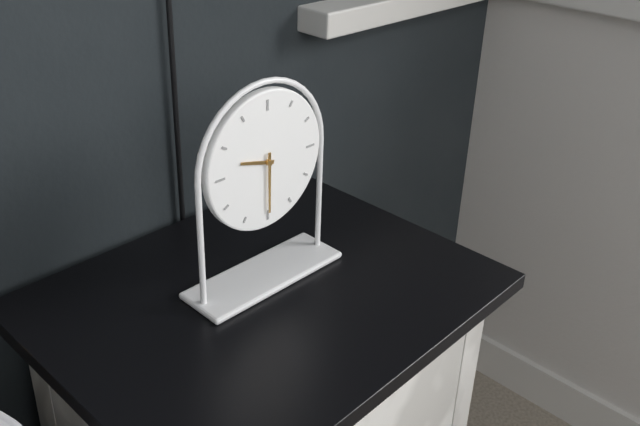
9:30
